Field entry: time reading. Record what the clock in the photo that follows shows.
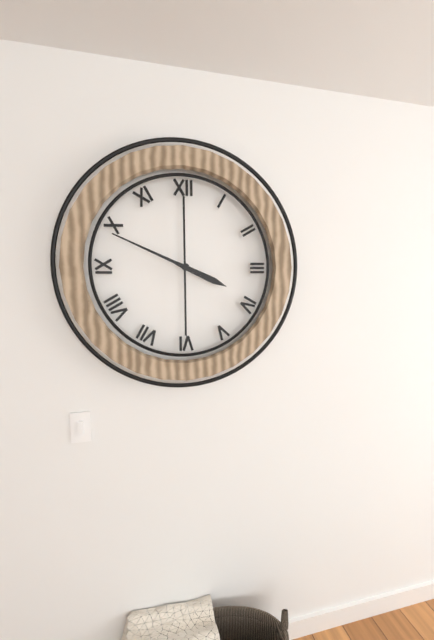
3:49
